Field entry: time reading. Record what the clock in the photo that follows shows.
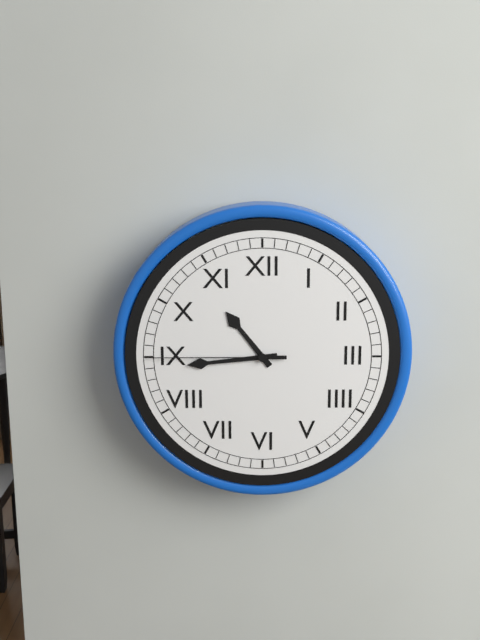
10:44:45
